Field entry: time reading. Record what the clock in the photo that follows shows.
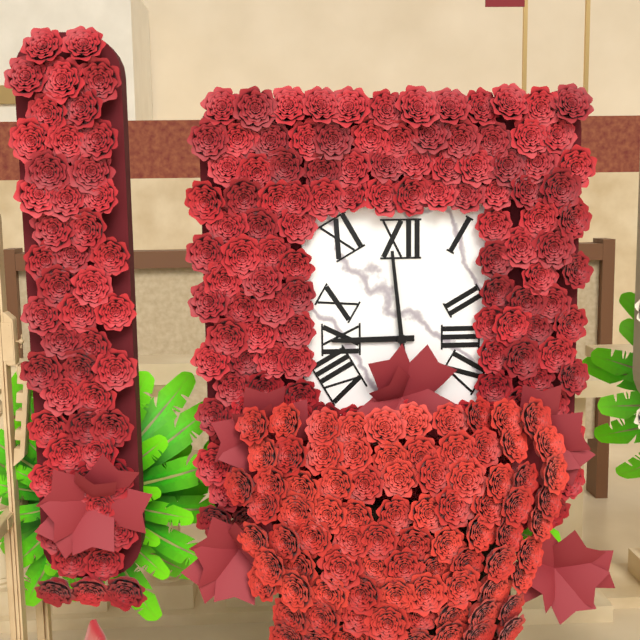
8:59
